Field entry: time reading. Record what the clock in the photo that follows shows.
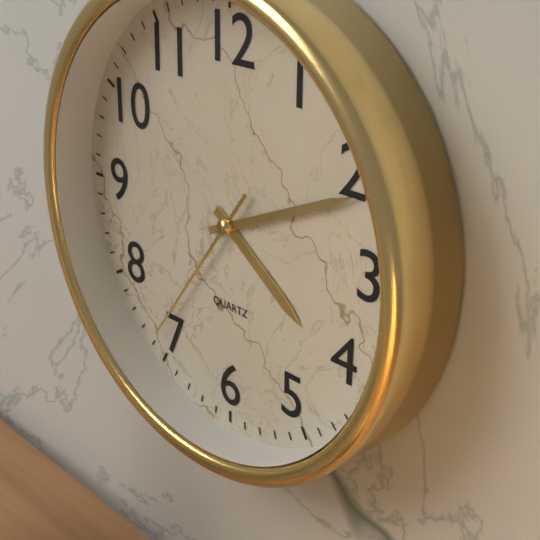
4:11:36
